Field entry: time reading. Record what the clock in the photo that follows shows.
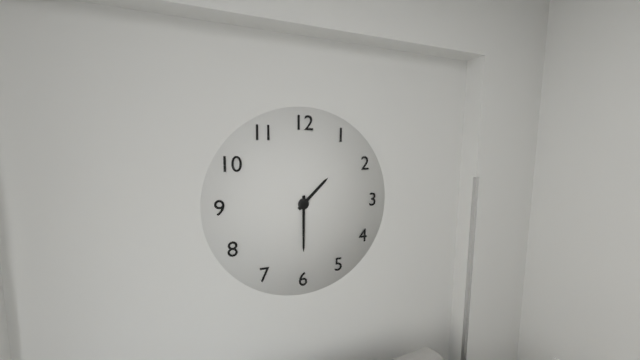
1:30
